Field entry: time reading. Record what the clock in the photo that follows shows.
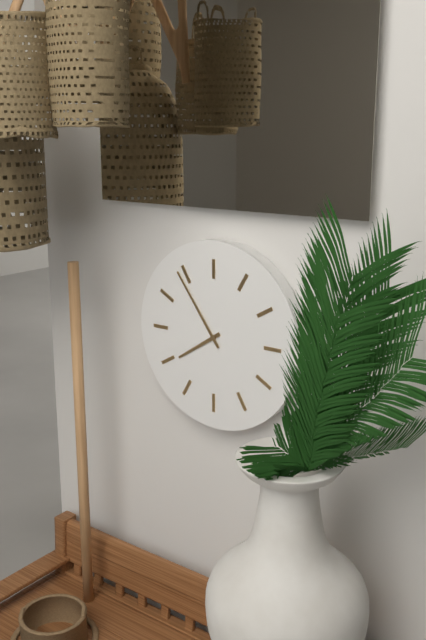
7:54
